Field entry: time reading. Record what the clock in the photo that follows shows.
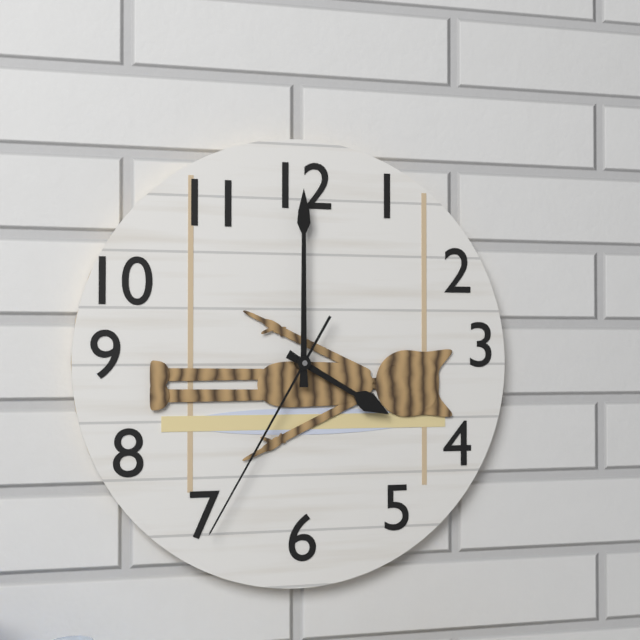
4:00:35
